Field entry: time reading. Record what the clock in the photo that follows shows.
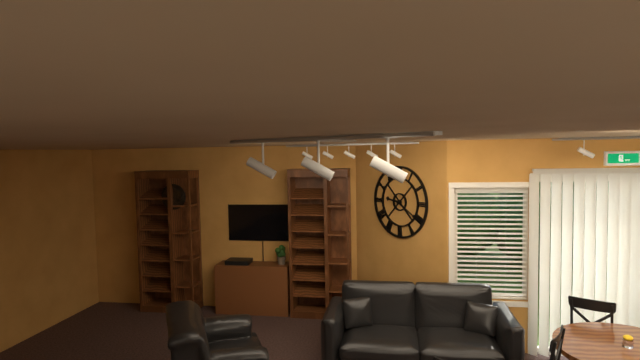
9:20
